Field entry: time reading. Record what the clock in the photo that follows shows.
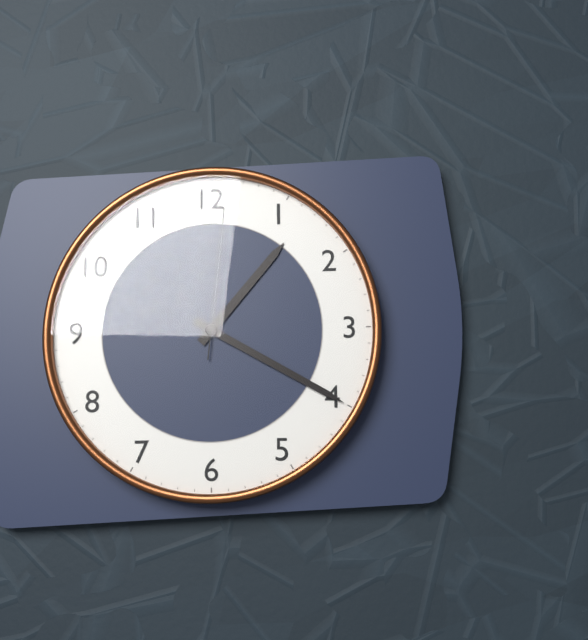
1:20:01
